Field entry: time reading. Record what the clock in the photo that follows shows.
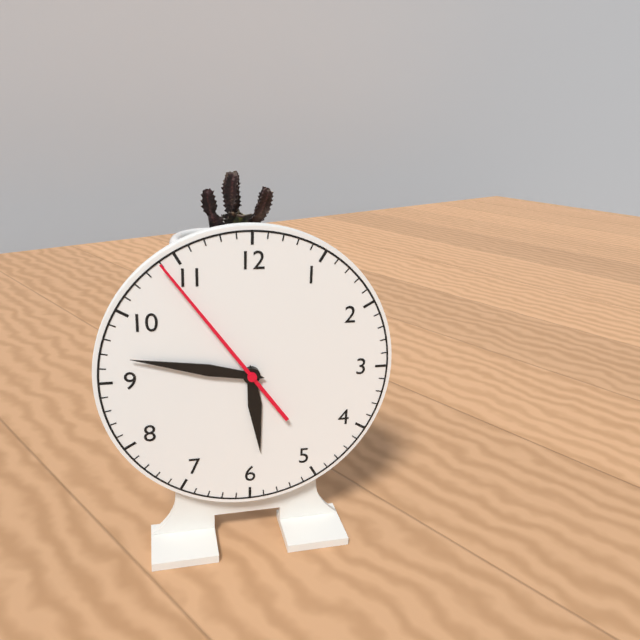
5:47:54
